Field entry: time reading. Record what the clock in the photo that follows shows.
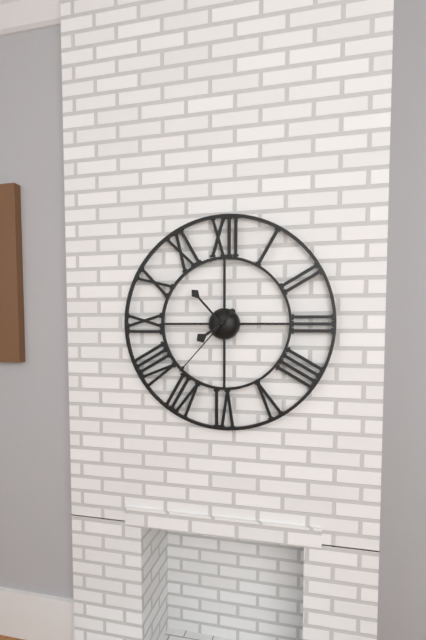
7:53:37
